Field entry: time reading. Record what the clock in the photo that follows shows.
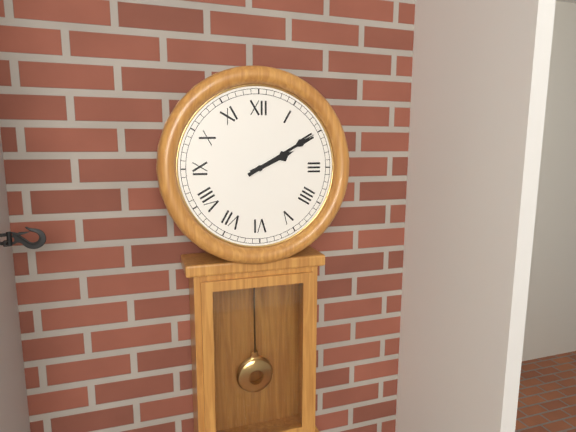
2:10
